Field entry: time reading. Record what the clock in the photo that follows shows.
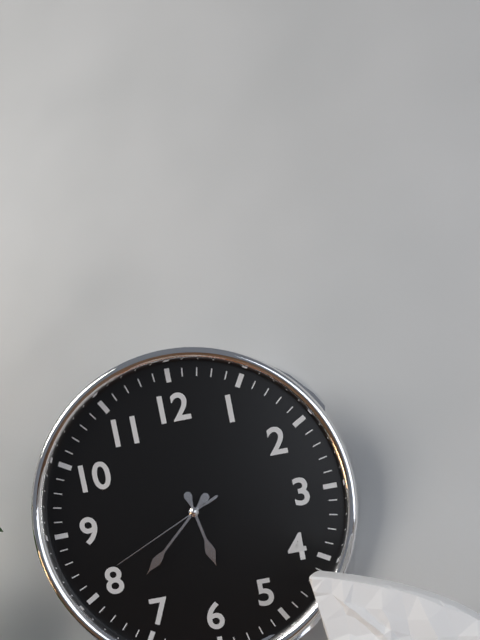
5:38:41
